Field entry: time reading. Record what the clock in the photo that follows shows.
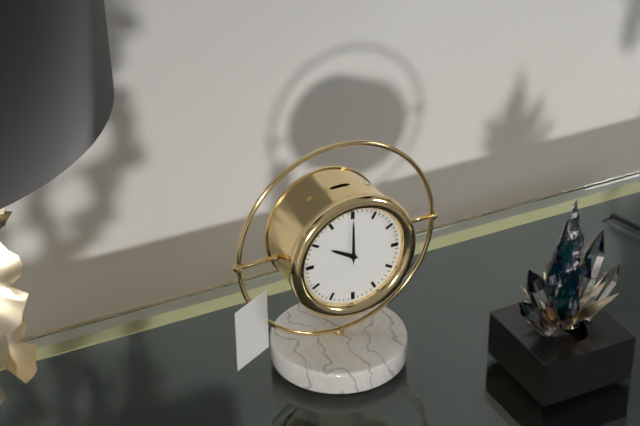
10:00
